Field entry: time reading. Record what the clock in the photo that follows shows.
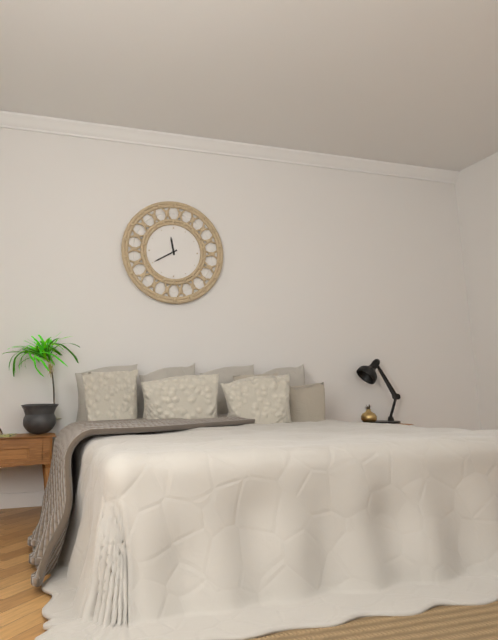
11:40
